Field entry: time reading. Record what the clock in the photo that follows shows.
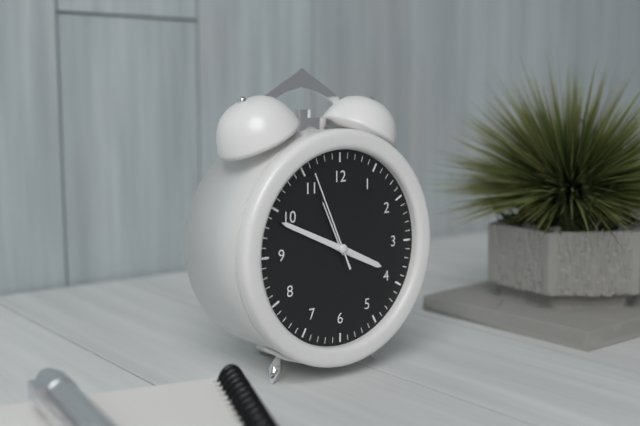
3:49:56
